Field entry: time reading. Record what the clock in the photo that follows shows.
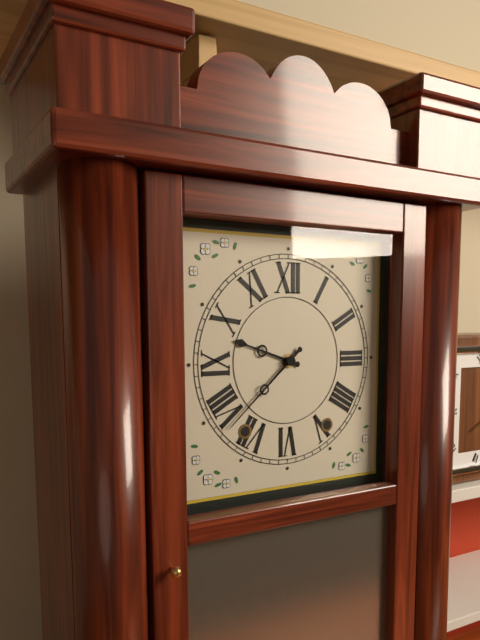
9:38
